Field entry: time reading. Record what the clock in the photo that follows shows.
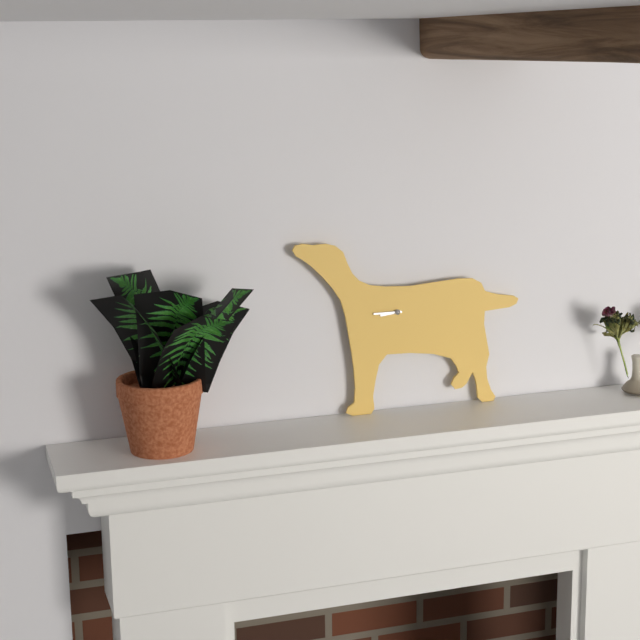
8:45
